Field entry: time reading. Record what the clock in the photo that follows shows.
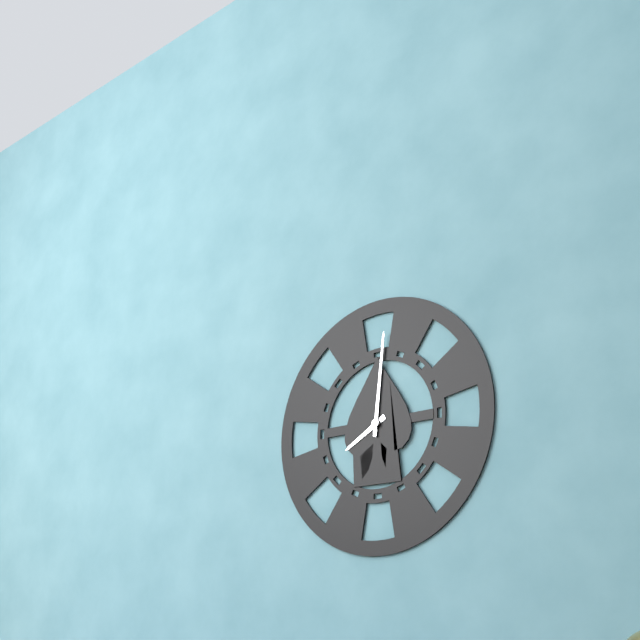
8:01
